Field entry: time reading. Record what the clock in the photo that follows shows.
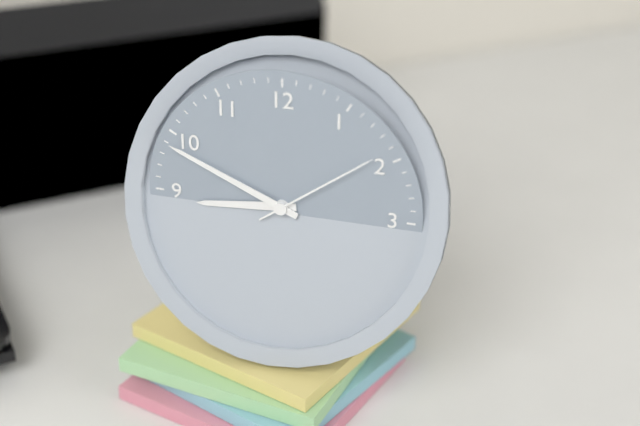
8:49:09
